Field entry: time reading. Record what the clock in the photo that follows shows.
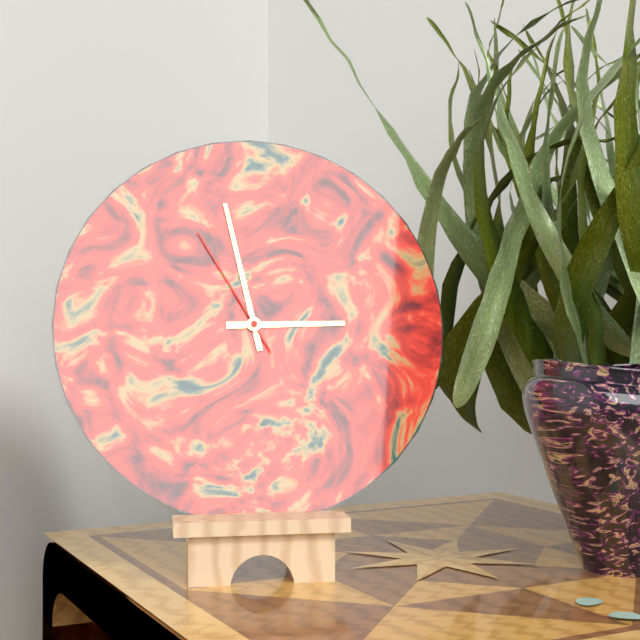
2:58:55
